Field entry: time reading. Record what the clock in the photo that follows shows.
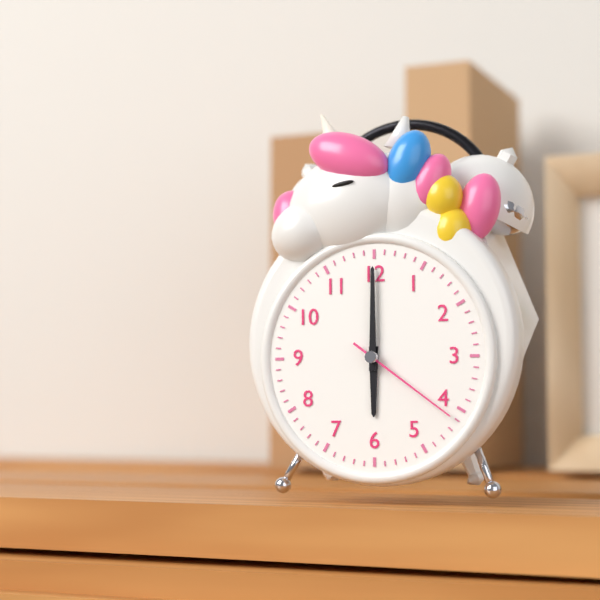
6:00:21
